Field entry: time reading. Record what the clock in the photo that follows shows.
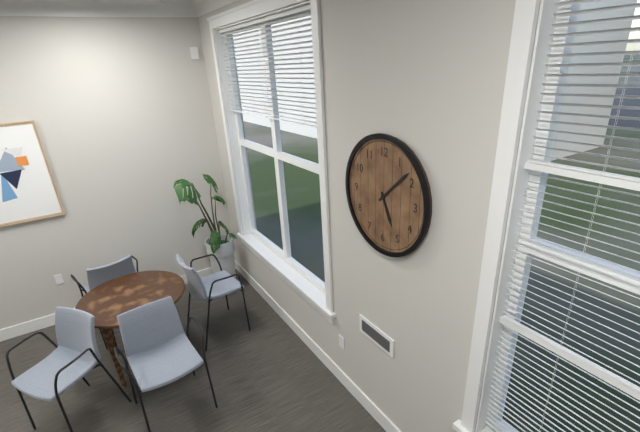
5:08
